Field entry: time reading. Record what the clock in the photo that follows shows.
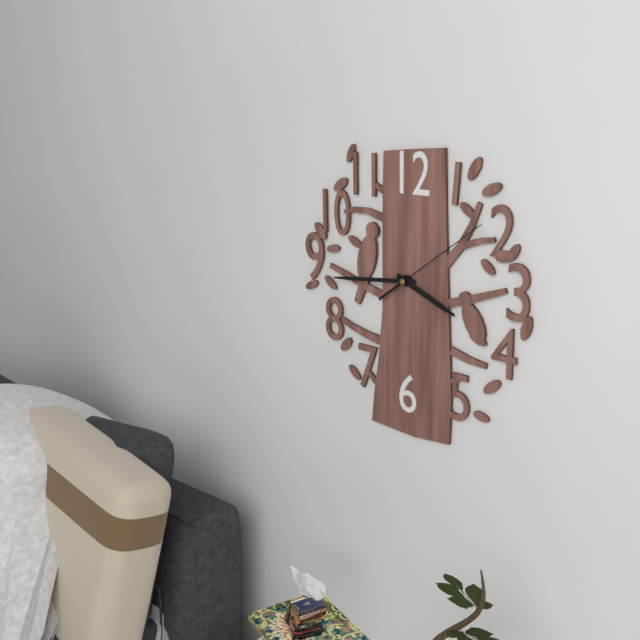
3:44:09
